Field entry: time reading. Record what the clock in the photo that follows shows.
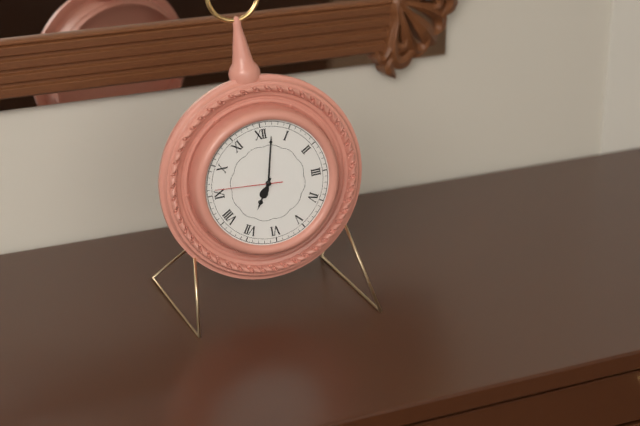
7:02:46
